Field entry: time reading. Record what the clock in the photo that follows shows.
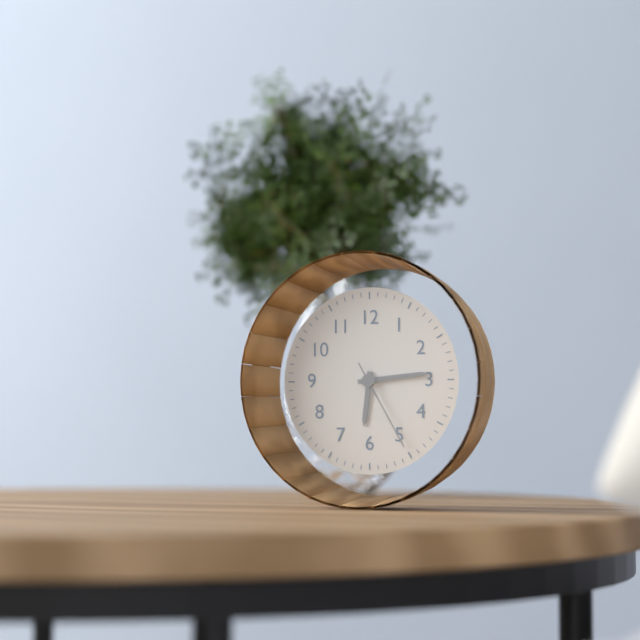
6:14:25
